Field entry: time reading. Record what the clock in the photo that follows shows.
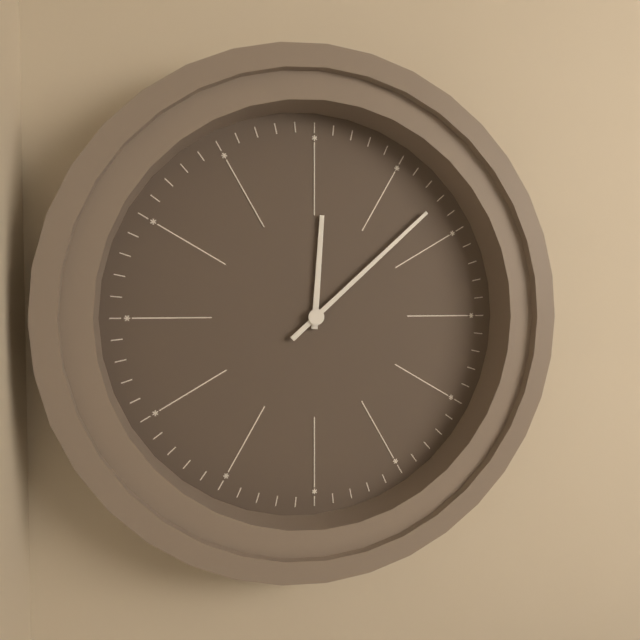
12:08
